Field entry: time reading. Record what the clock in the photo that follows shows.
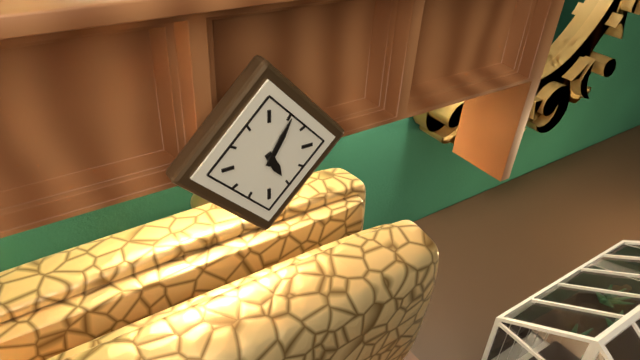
5:05
